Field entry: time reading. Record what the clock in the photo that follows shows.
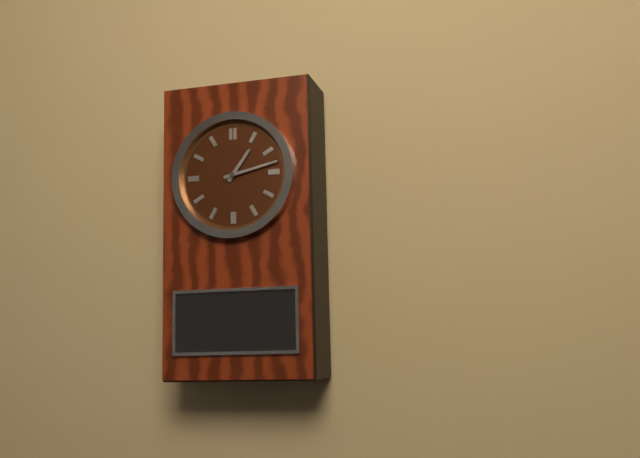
1:13
